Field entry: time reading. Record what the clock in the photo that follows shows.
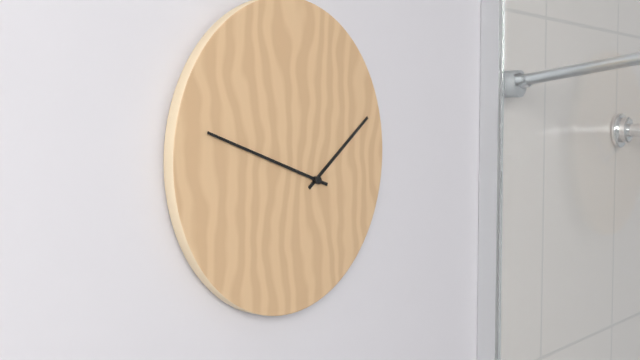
1:48
